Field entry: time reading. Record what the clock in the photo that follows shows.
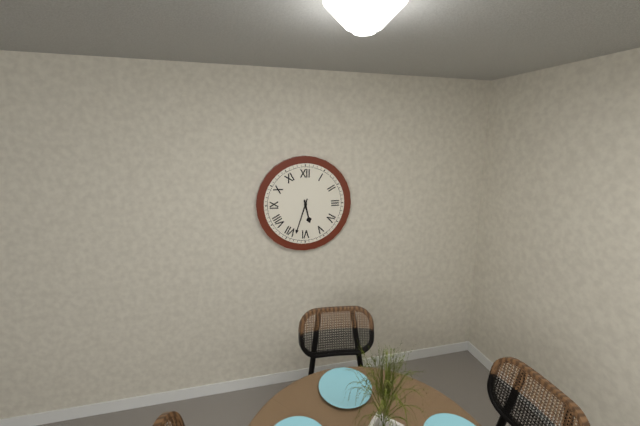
5:33
